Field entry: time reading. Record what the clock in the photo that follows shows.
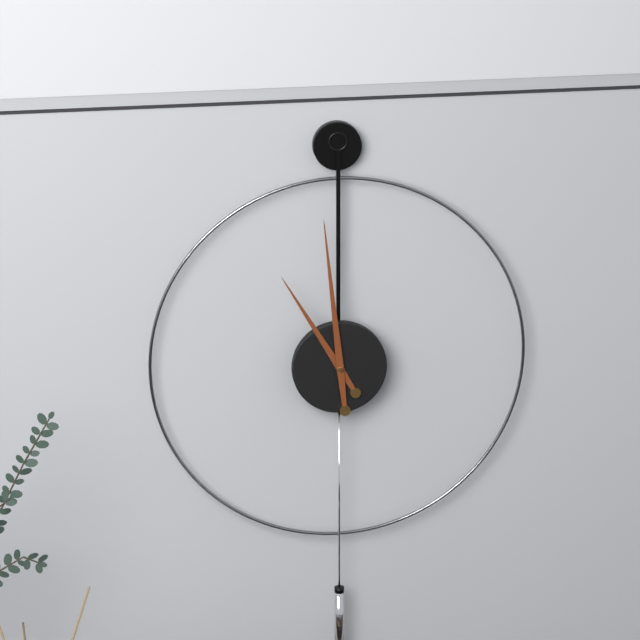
10:59
